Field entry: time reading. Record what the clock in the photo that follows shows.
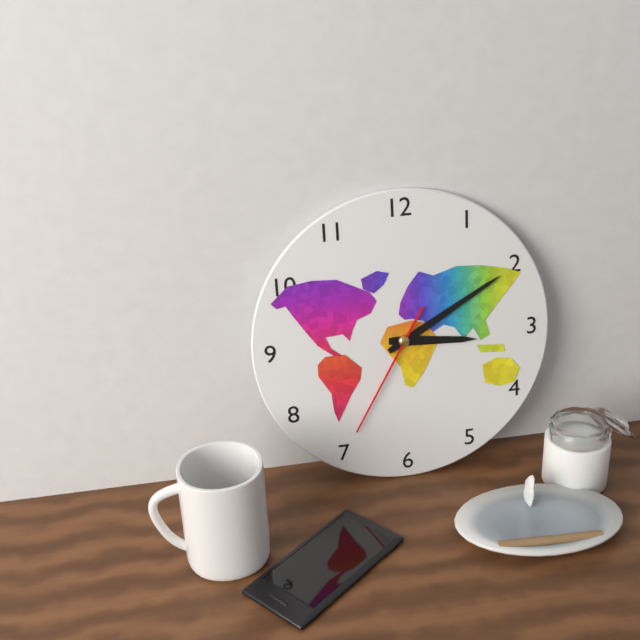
3:10:35
